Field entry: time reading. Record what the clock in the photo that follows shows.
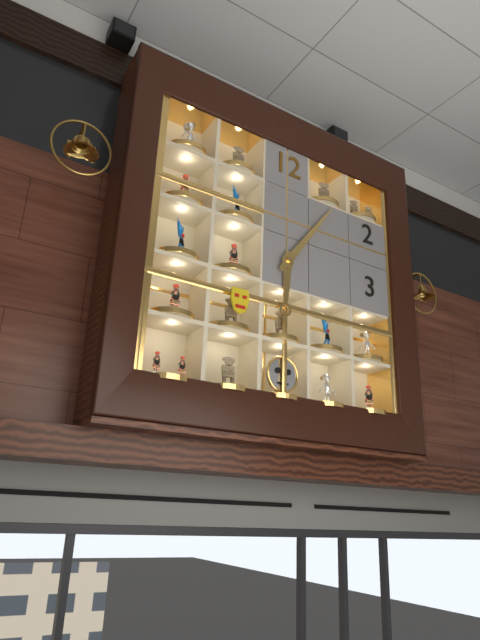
6:06
